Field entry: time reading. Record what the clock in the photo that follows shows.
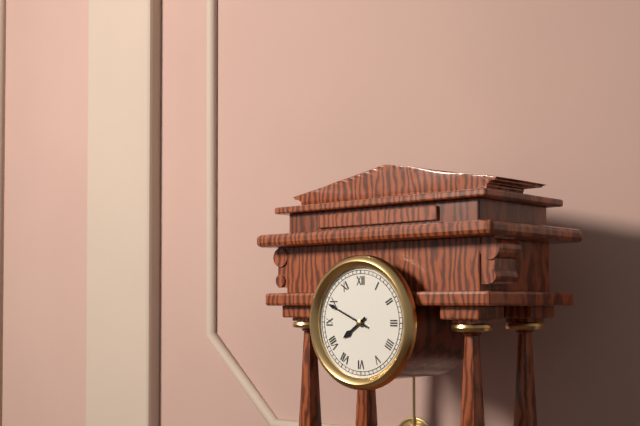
7:49
